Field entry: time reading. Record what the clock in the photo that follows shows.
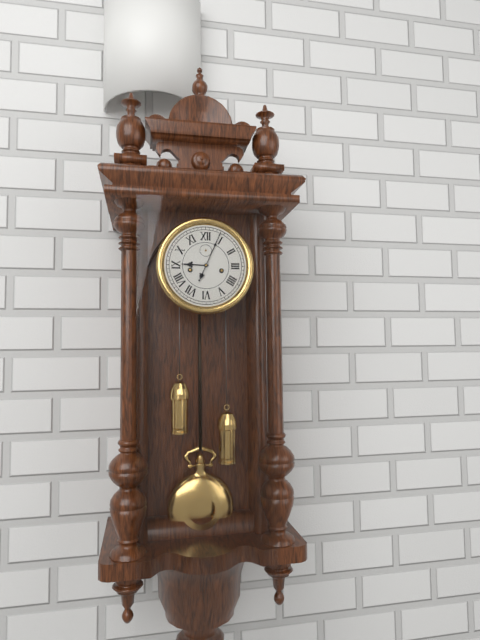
9:04
